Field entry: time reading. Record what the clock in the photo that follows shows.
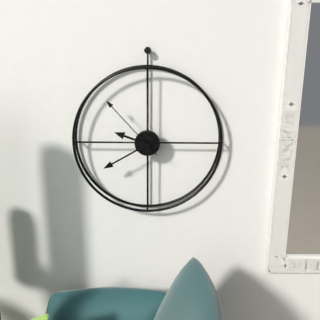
9:40:53
